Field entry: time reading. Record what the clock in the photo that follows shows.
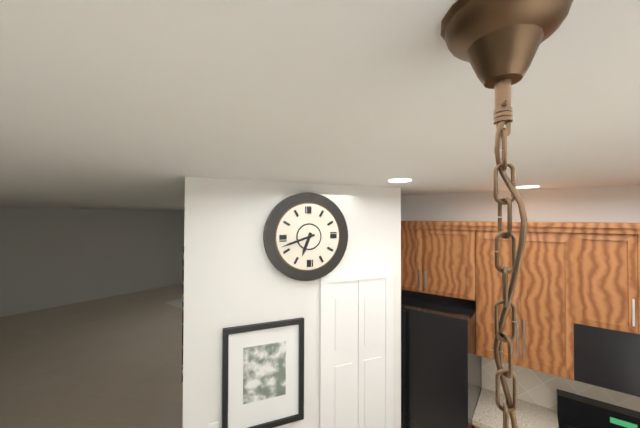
6:42
